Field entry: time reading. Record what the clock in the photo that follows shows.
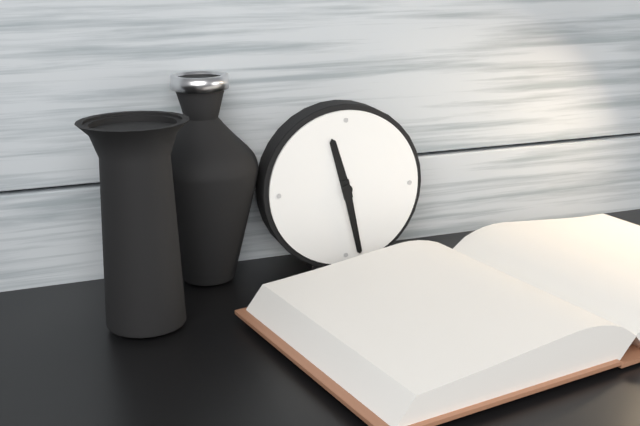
11:28
